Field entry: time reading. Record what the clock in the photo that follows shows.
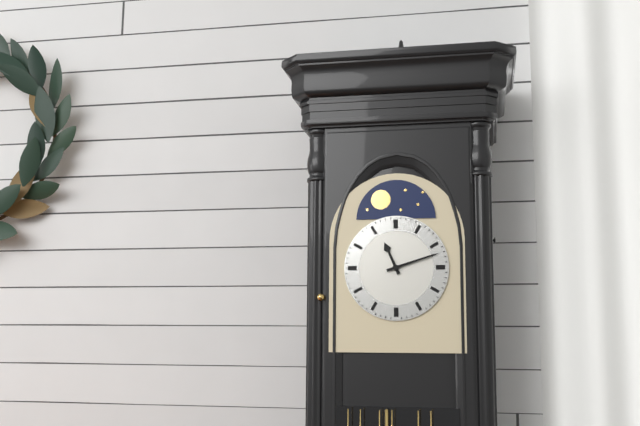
11:12
